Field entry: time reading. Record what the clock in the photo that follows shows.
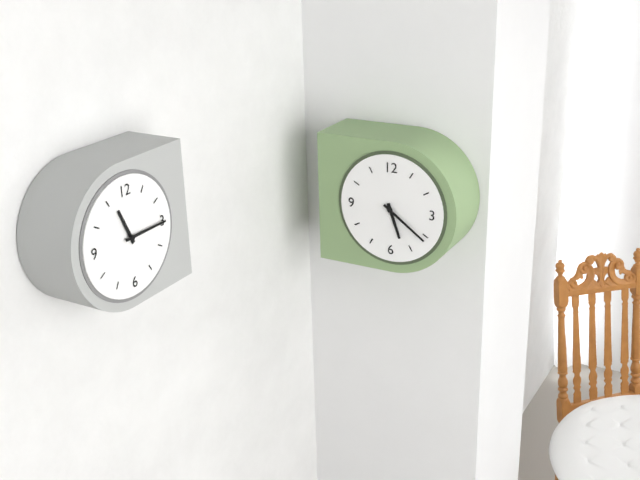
5:21
